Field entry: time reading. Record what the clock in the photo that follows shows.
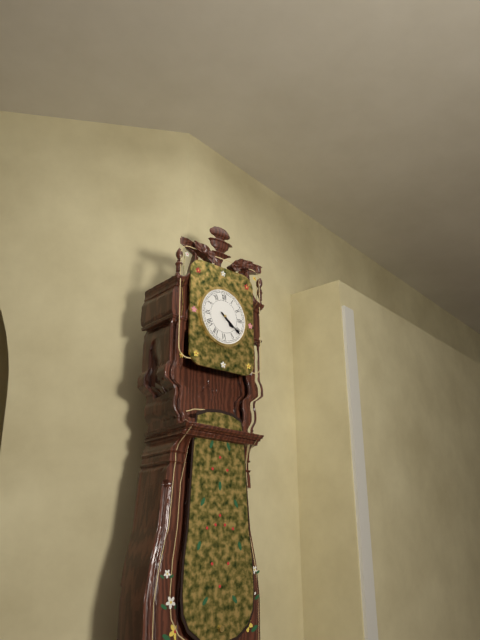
4:21
